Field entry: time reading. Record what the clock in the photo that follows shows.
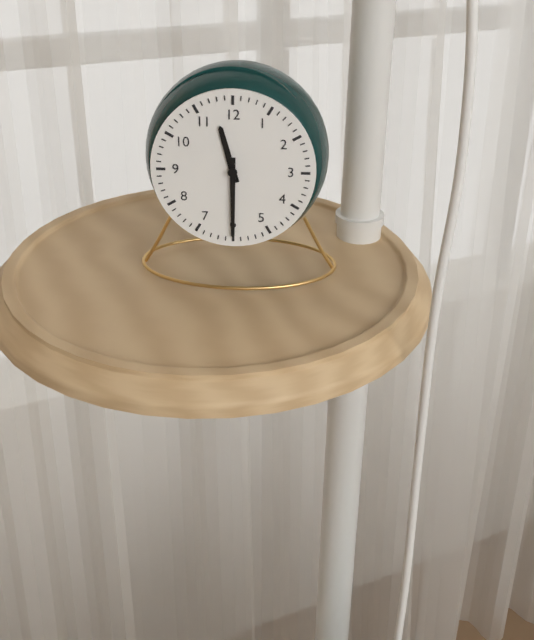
11:30
